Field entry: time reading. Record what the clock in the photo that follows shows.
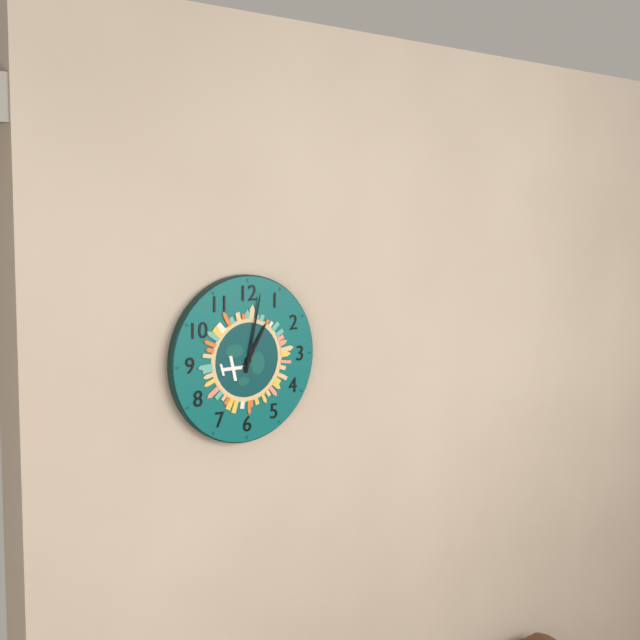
1:02
